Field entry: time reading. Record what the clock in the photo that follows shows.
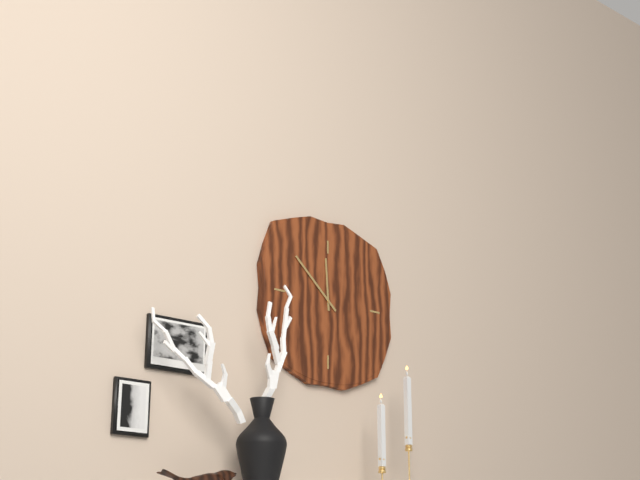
11:52
